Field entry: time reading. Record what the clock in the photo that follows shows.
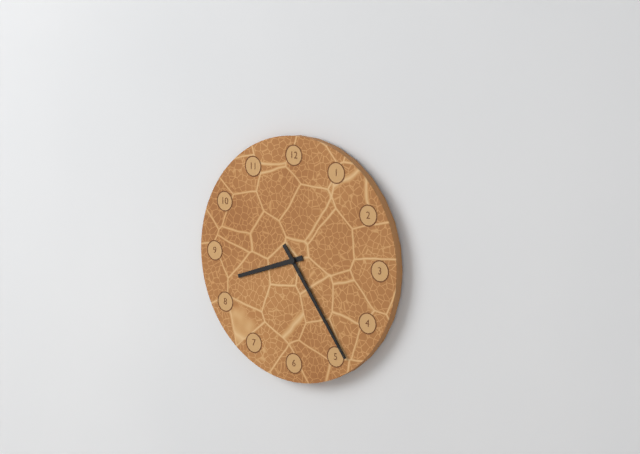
8:24
